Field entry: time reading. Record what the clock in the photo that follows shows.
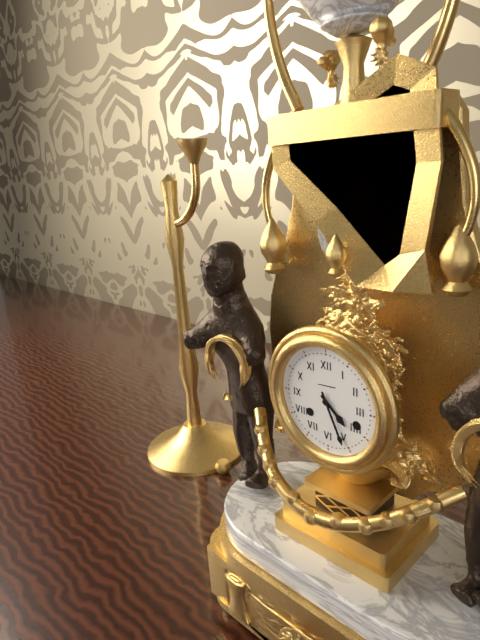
4:26
